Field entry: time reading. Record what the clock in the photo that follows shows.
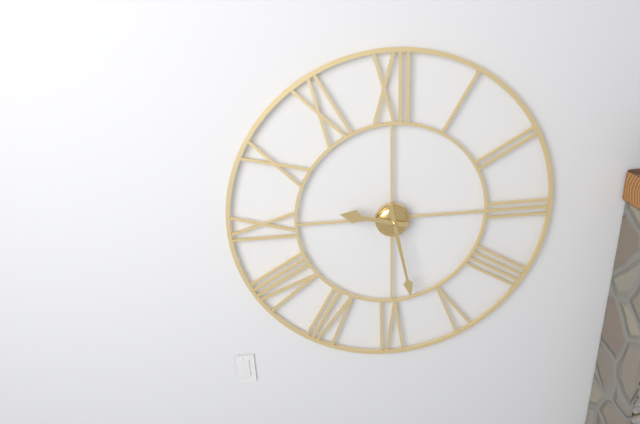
9:28
